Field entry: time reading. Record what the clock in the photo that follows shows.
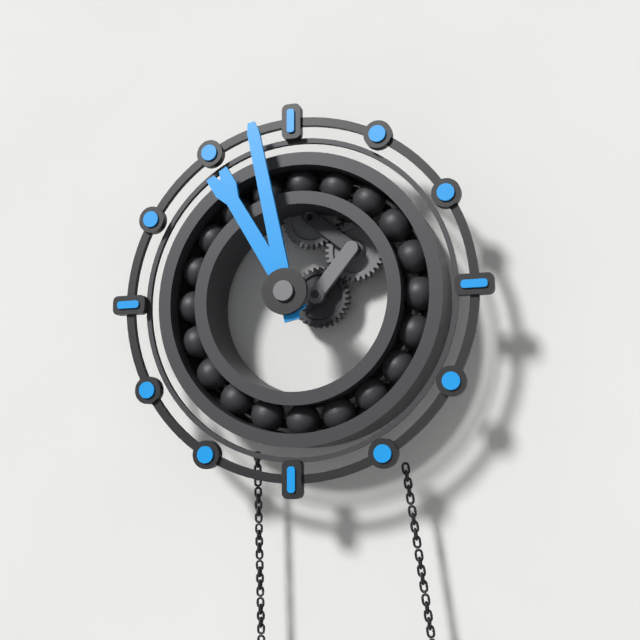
10:58
